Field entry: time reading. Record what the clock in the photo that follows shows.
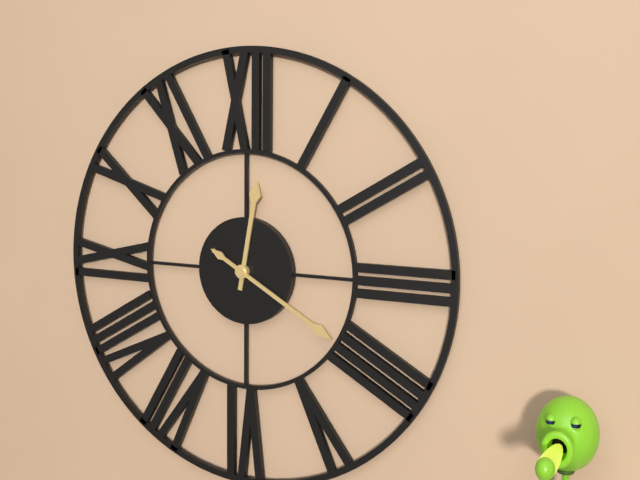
12:20
